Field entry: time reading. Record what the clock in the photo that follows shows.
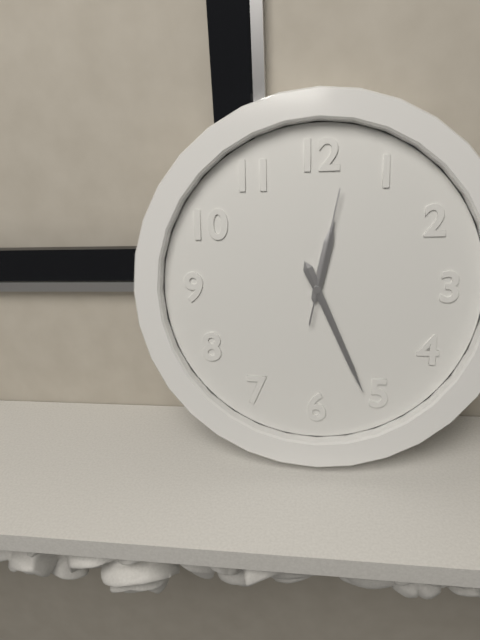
12:26:02
